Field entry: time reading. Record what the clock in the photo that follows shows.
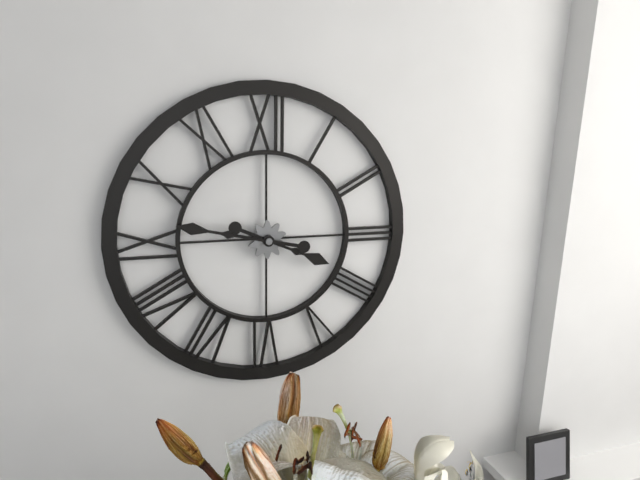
3:47
